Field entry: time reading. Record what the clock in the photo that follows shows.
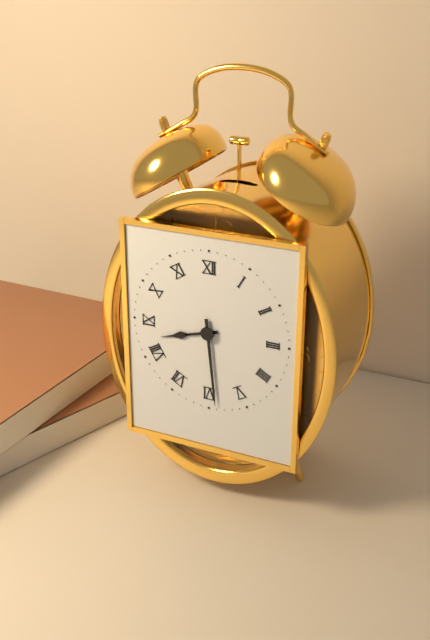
8:29
